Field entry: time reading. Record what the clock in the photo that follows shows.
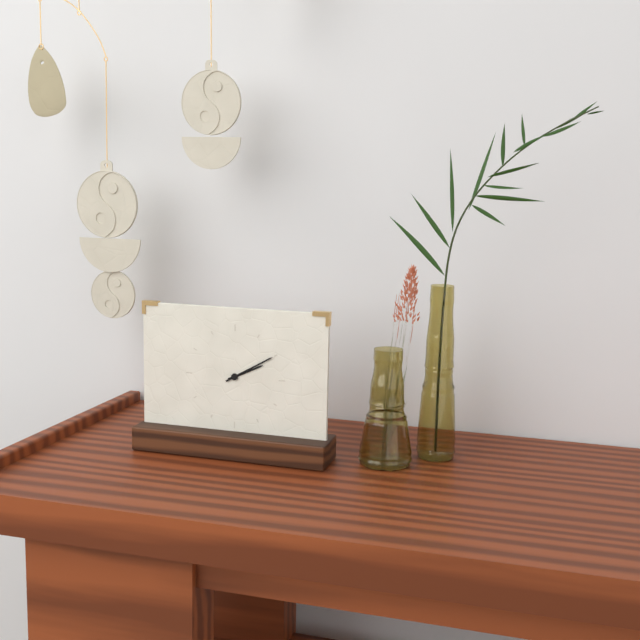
2:10
